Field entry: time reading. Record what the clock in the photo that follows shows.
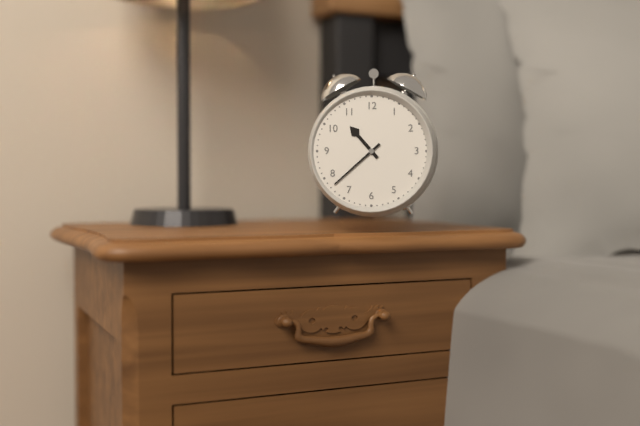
10:38
